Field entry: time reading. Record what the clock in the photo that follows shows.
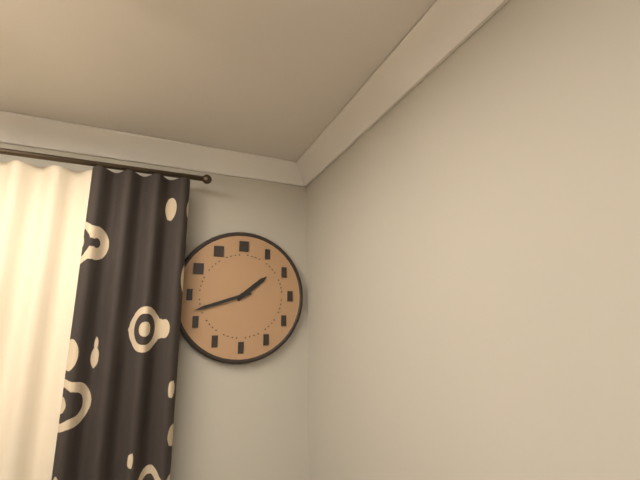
1:42
